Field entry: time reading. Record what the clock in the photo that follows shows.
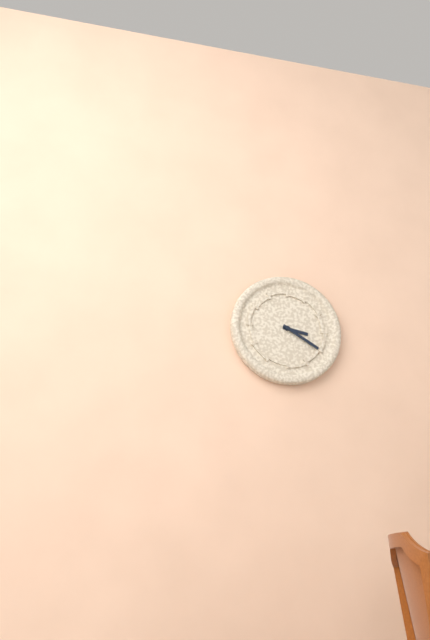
3:20
